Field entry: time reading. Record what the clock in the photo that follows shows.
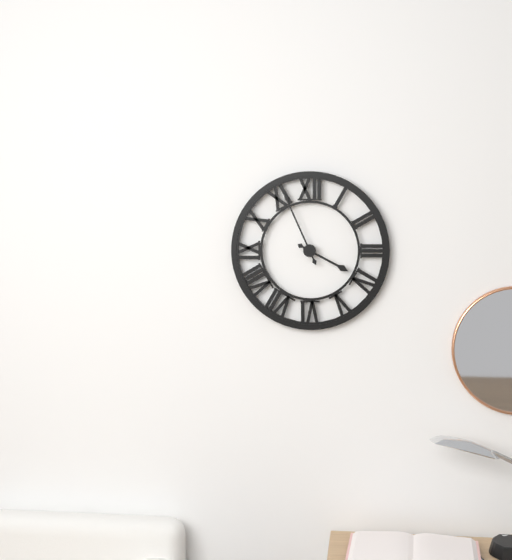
3:56
